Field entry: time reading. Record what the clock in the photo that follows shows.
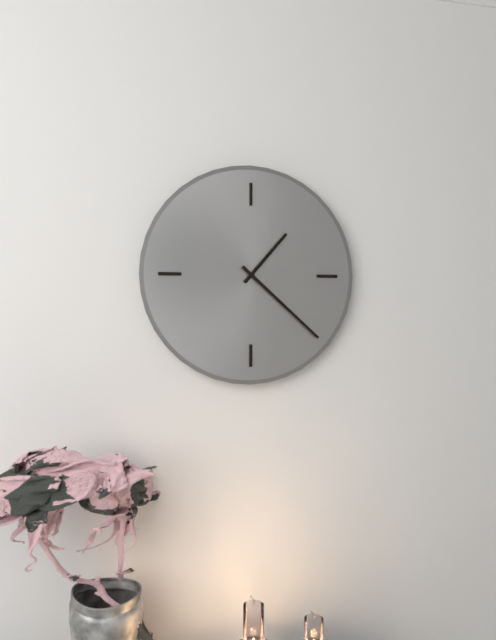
1:22
